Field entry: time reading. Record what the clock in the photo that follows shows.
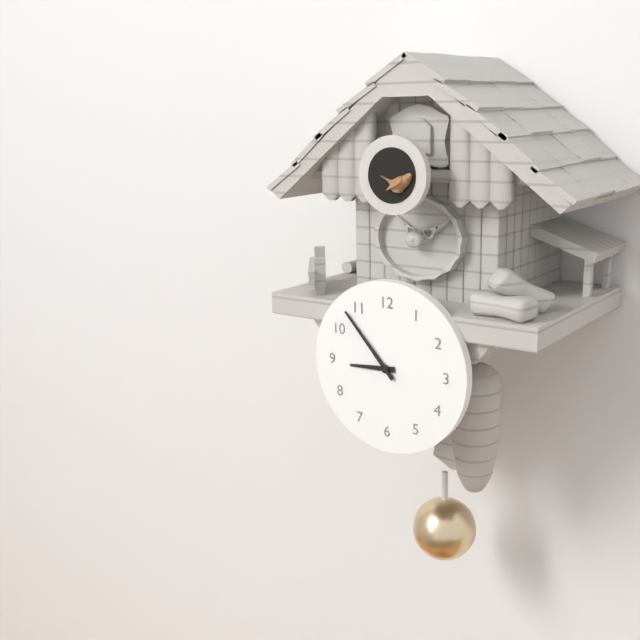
8:53
